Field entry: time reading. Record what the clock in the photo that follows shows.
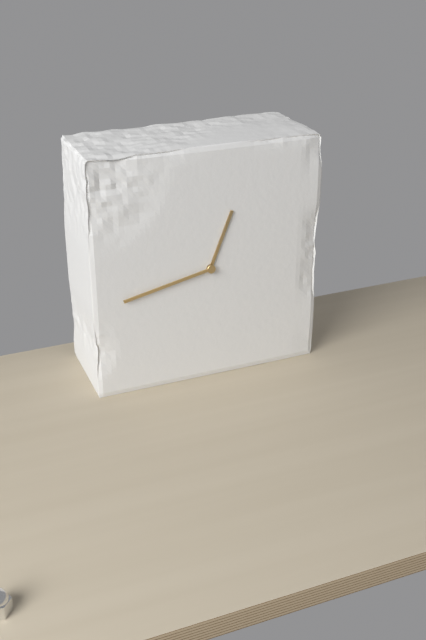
12:43
